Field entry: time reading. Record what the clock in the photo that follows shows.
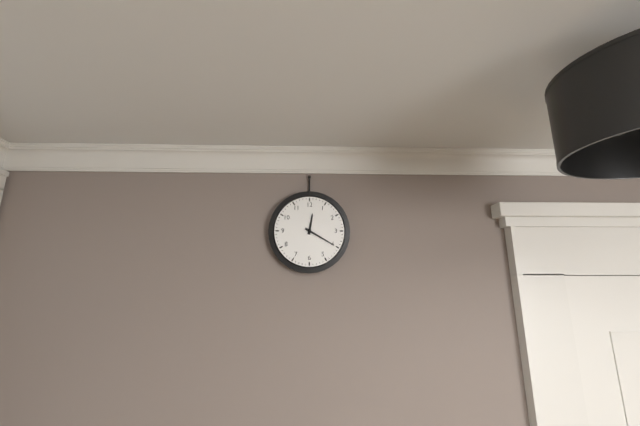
12:20
